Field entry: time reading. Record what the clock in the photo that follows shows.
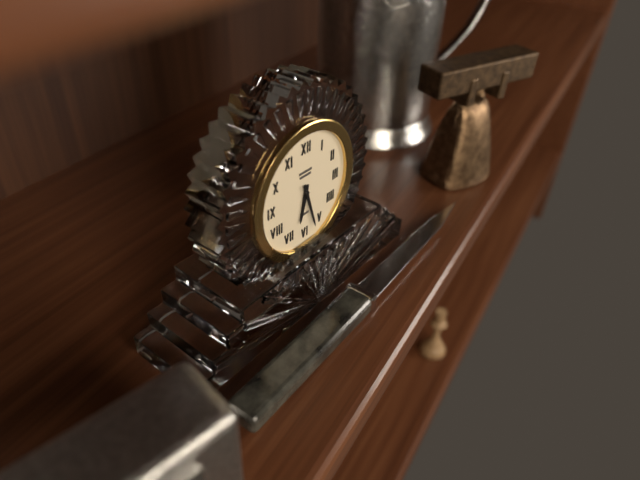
6:27
